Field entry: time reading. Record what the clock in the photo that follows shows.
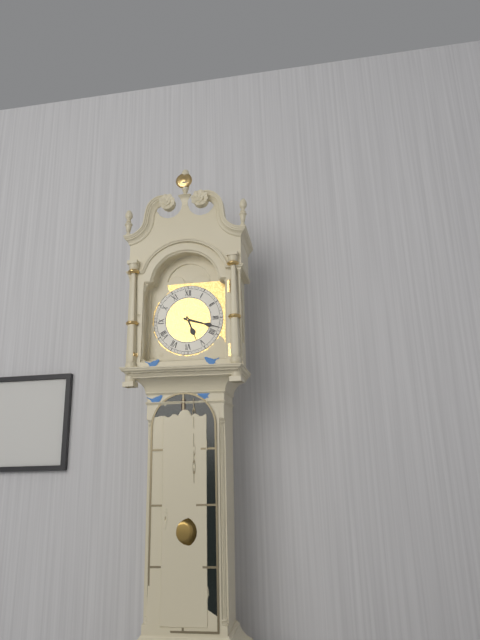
5:18
